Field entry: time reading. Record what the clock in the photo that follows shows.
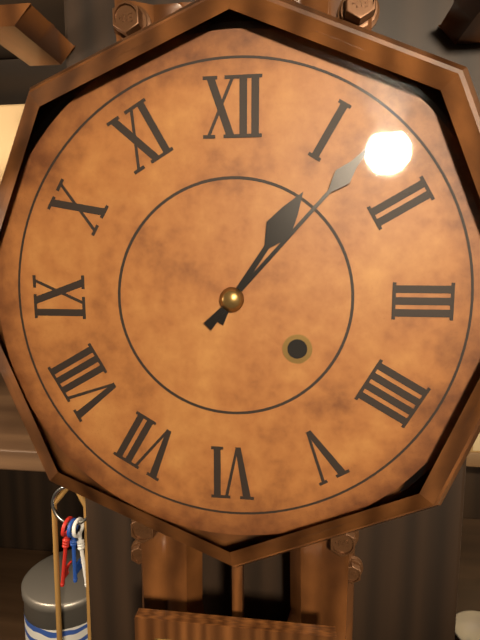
1:07
